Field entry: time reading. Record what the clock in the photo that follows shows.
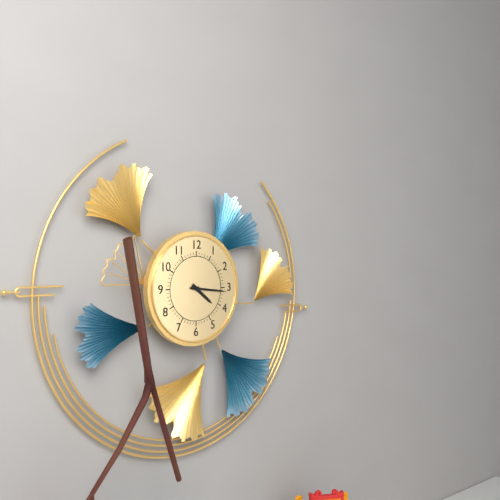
4:16
